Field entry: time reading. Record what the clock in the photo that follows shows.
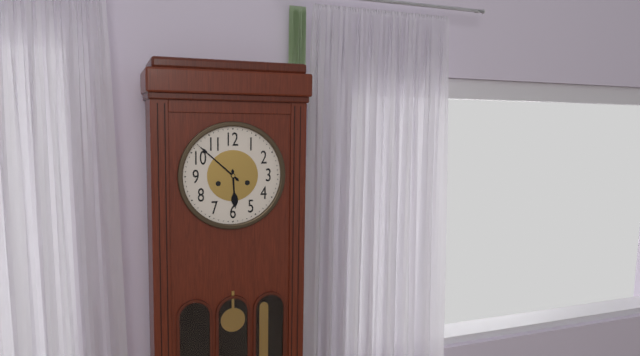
5:52
